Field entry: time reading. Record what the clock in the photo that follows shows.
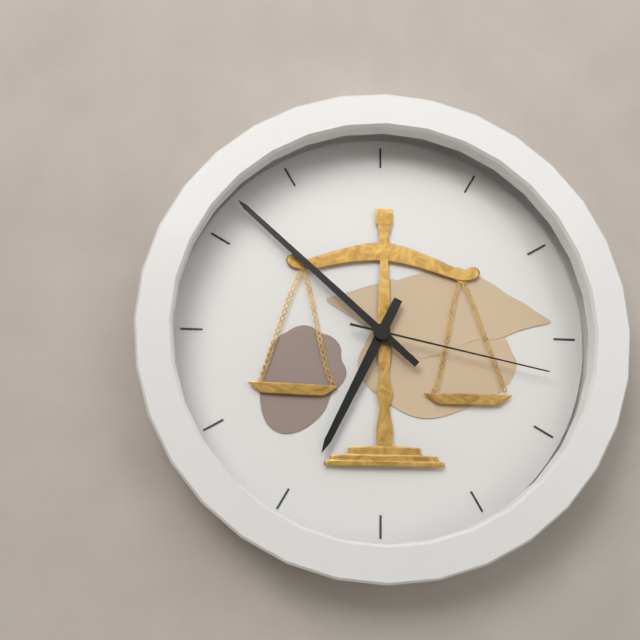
6:52:17
